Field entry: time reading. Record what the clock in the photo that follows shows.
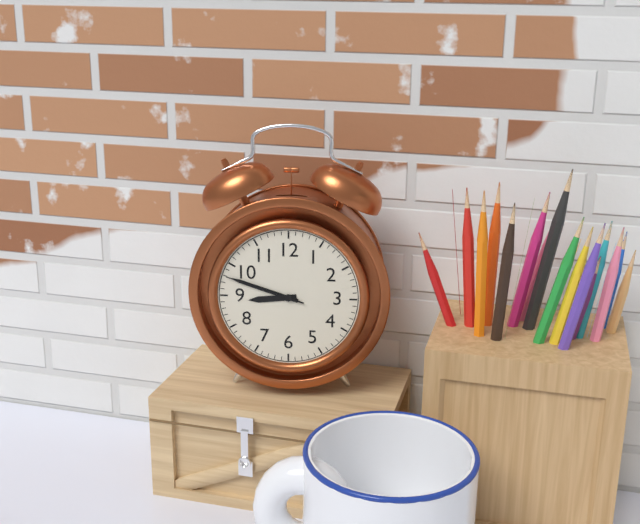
8:48:48
